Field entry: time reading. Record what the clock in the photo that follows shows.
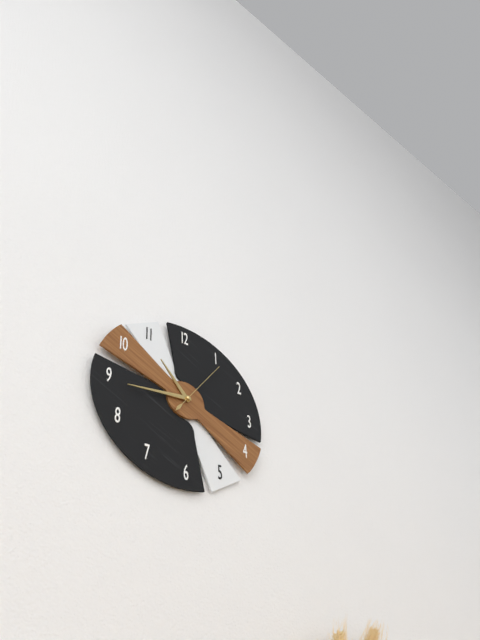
10:44:06
